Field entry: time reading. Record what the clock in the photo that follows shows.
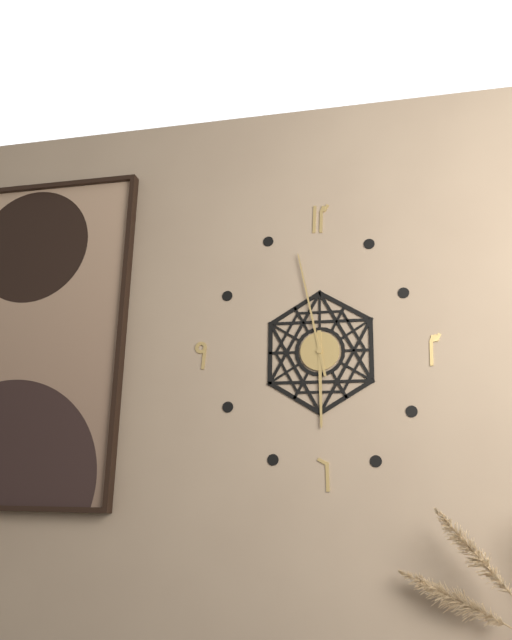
5:58
